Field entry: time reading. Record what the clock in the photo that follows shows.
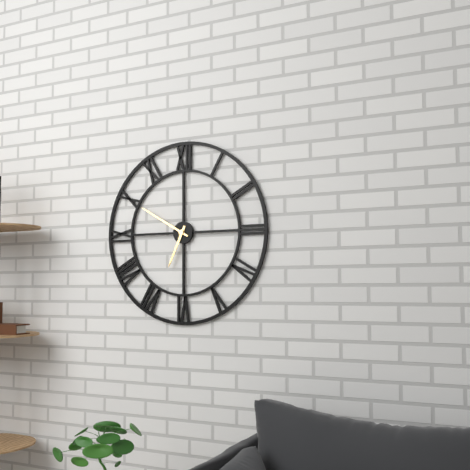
6:50
